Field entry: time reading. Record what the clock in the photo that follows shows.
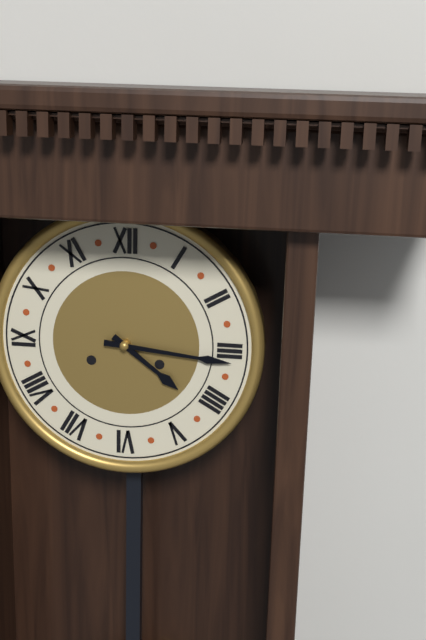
4:16
